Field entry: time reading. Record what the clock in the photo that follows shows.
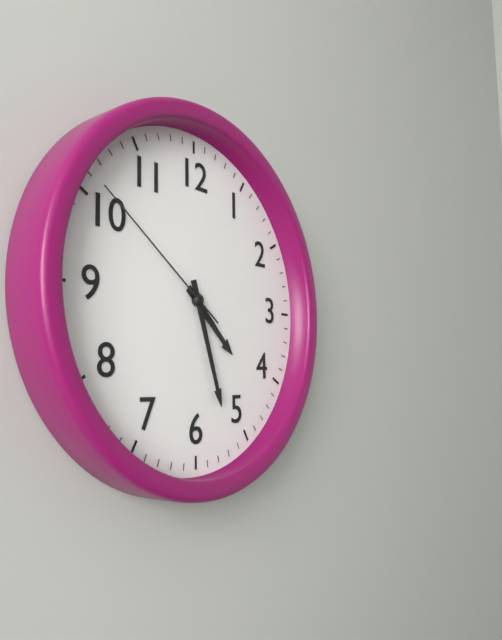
4:27:51
